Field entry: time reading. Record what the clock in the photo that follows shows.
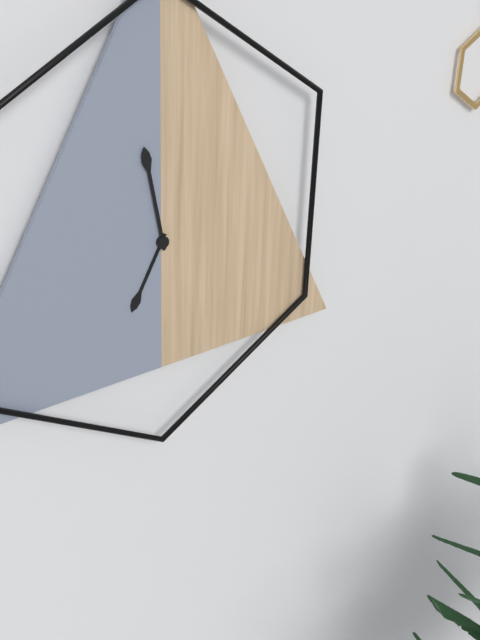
6:58
